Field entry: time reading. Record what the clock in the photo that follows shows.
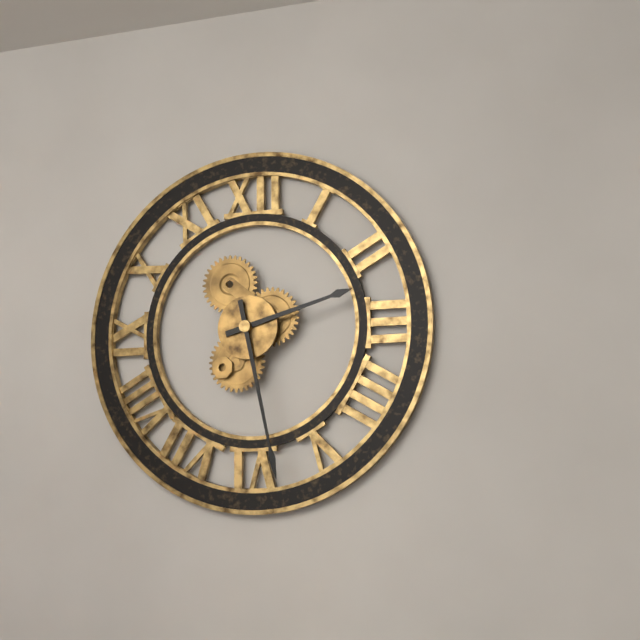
2:28
